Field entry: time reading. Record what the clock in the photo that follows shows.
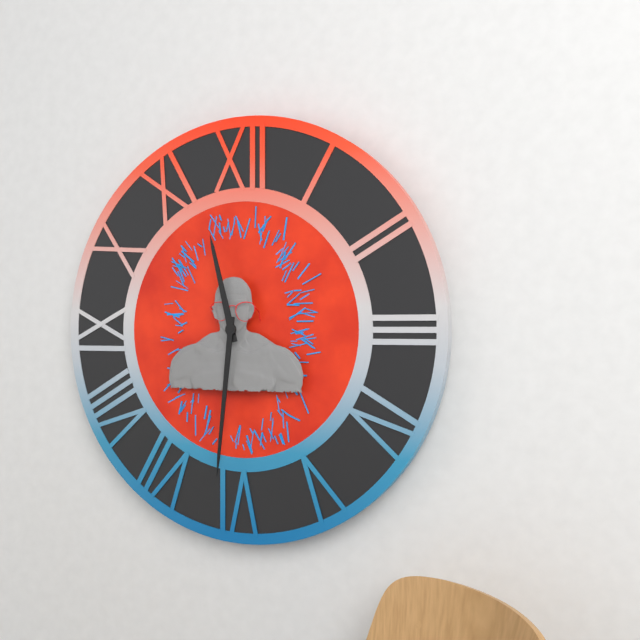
11:31
